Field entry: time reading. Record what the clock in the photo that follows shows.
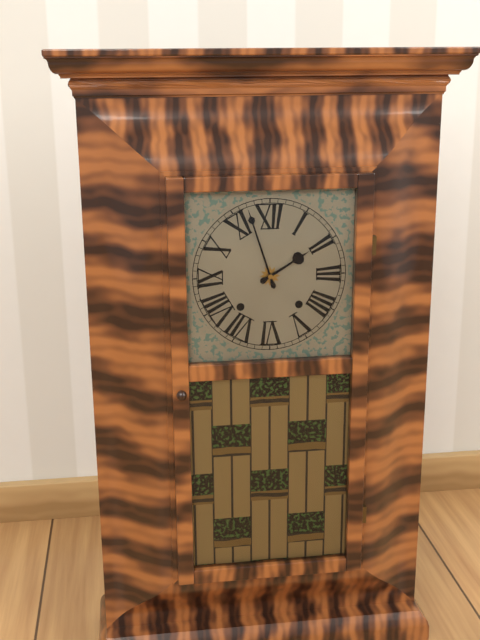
1:57
